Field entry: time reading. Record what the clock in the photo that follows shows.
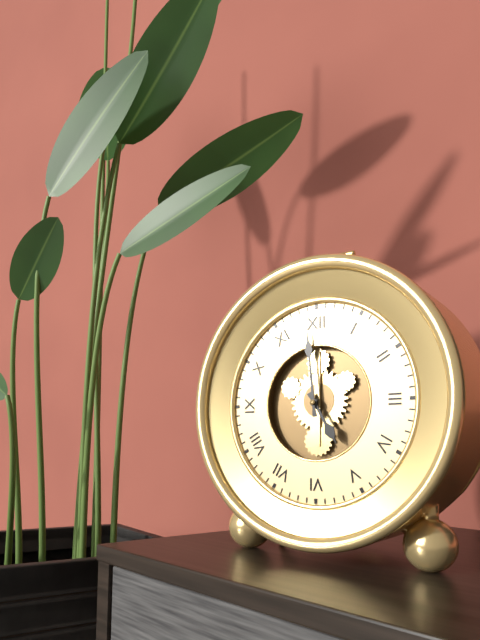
4:59
